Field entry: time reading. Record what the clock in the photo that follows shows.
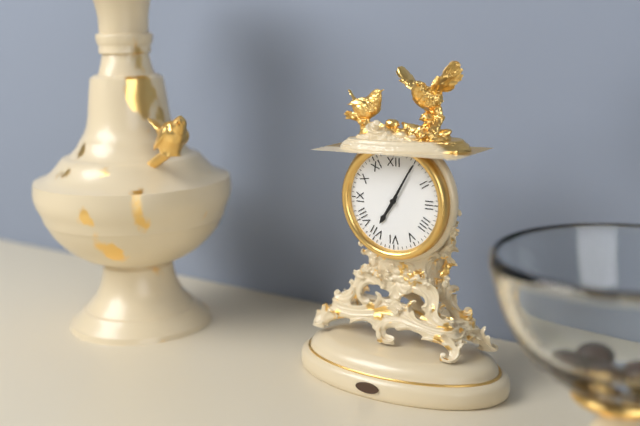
7:05
